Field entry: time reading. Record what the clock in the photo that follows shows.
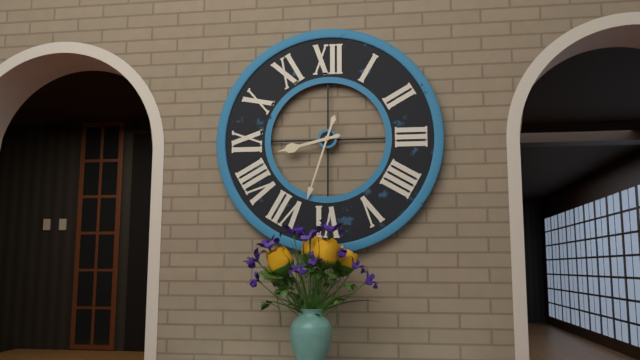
8:33
